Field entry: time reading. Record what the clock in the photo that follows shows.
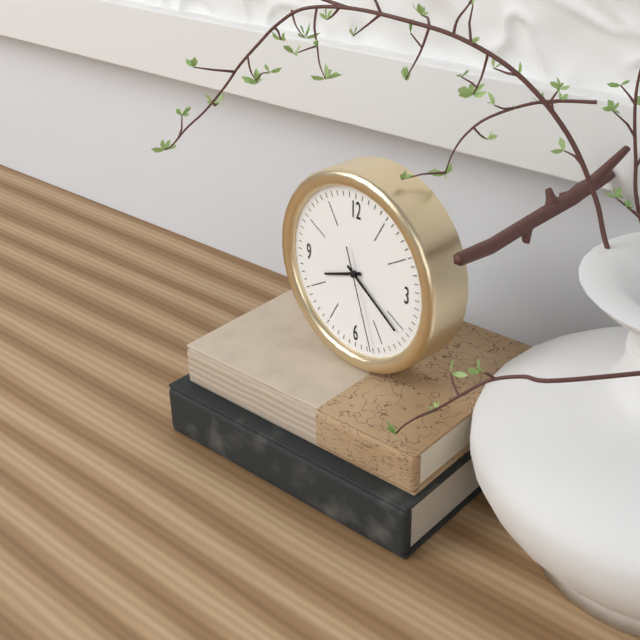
8:21:27
